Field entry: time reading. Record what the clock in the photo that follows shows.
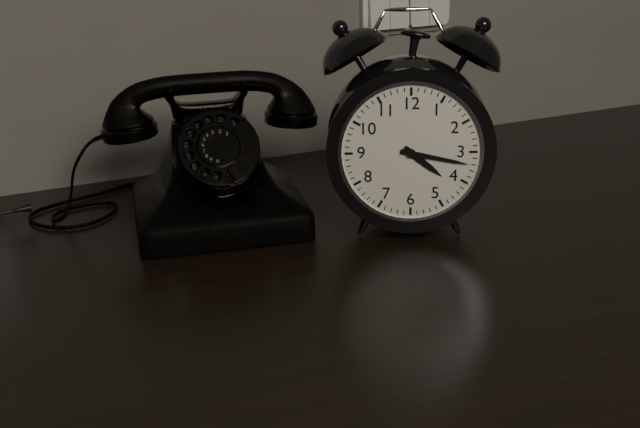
4:17
